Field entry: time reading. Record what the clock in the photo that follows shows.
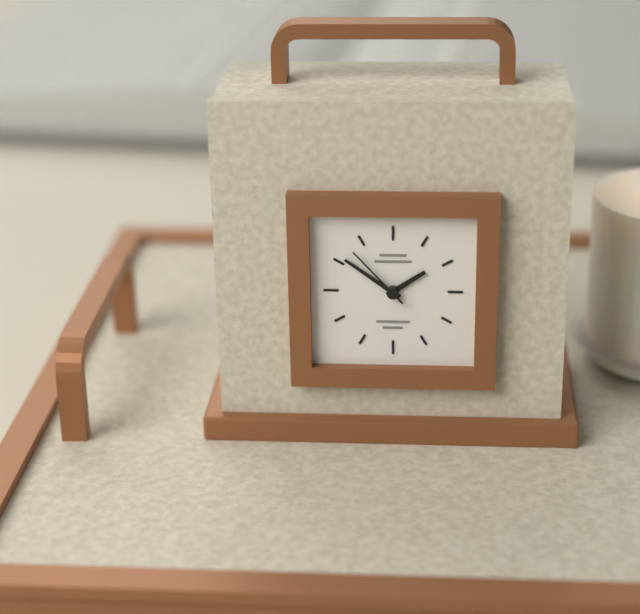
1:51:53
